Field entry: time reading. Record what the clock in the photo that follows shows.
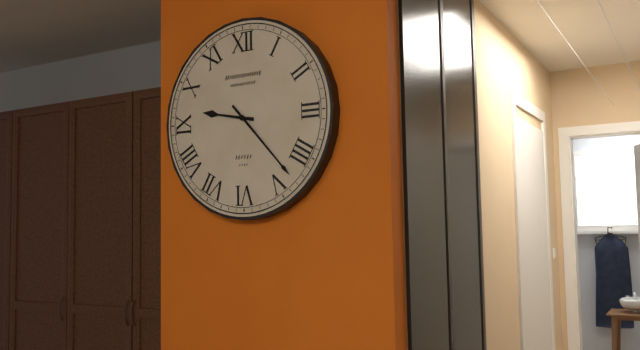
9:23
